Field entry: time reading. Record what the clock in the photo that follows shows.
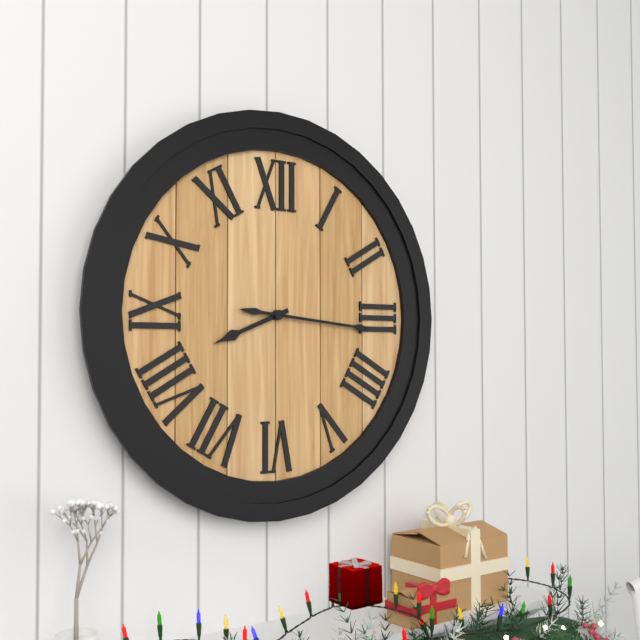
8:16
